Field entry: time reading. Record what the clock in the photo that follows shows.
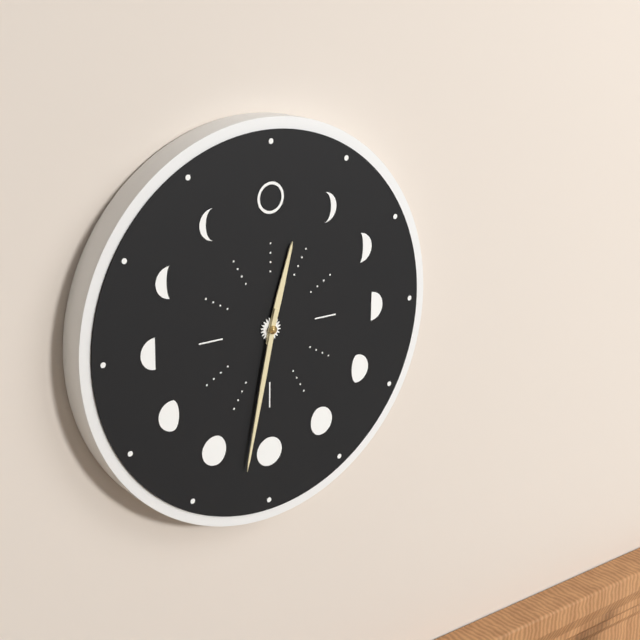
12:32
